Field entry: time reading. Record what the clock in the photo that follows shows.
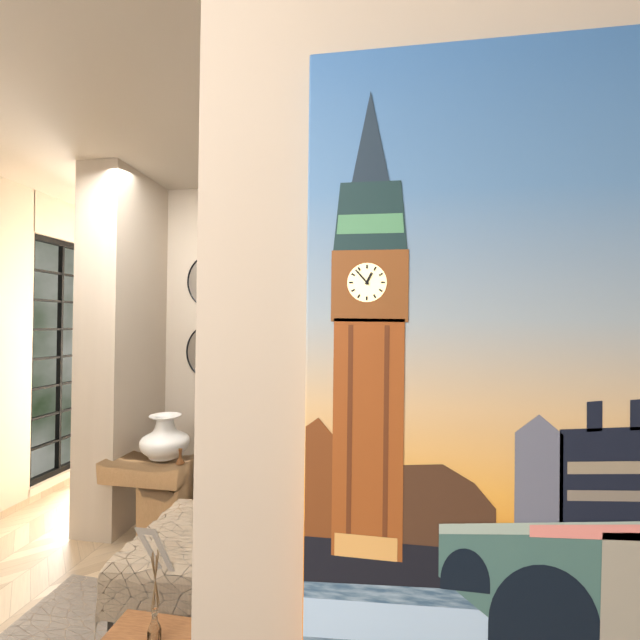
12:53
